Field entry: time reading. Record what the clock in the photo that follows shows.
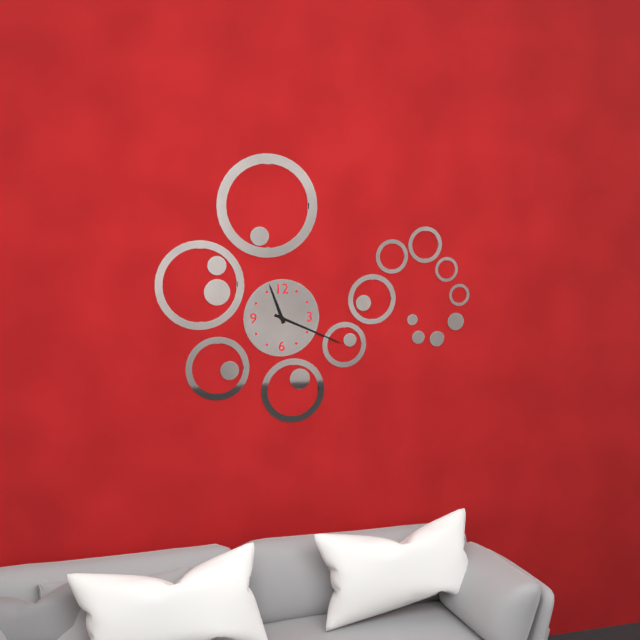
11:19
